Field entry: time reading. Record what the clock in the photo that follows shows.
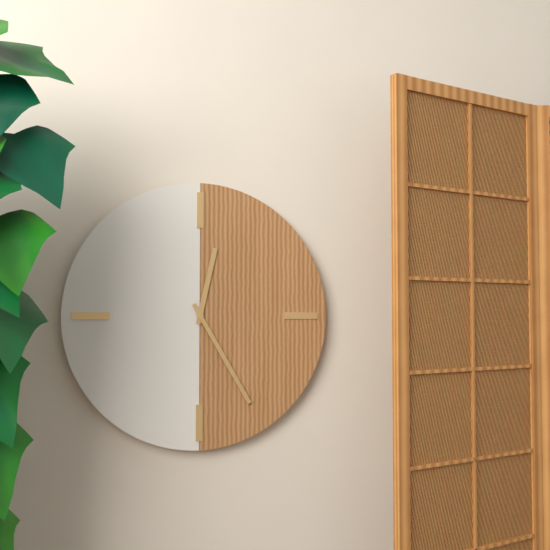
12:25
